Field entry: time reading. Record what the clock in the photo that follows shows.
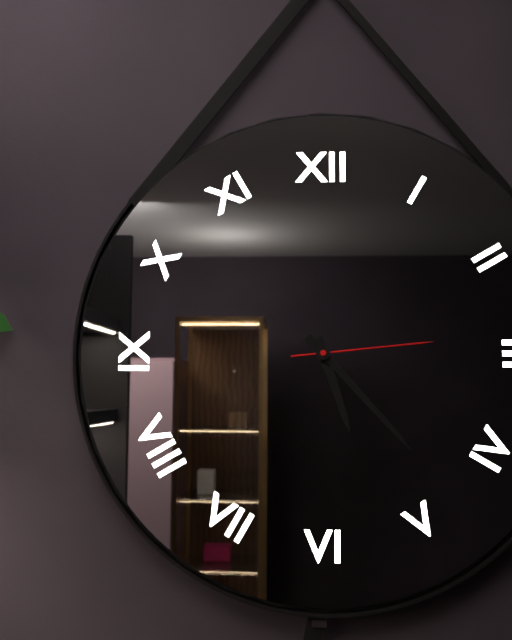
5:23:14
